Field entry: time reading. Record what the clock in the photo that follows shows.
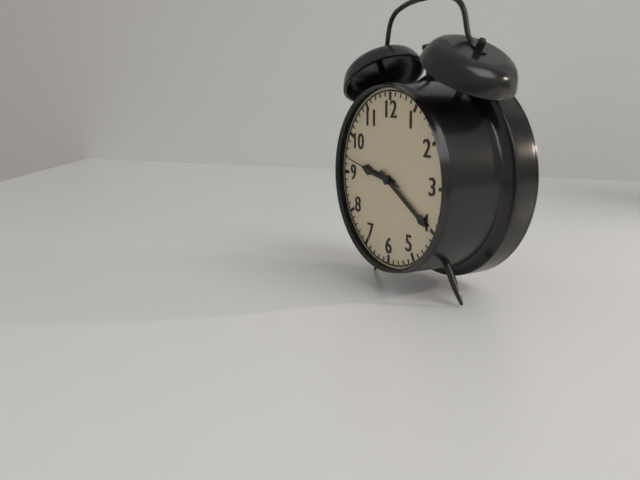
9:20:47
